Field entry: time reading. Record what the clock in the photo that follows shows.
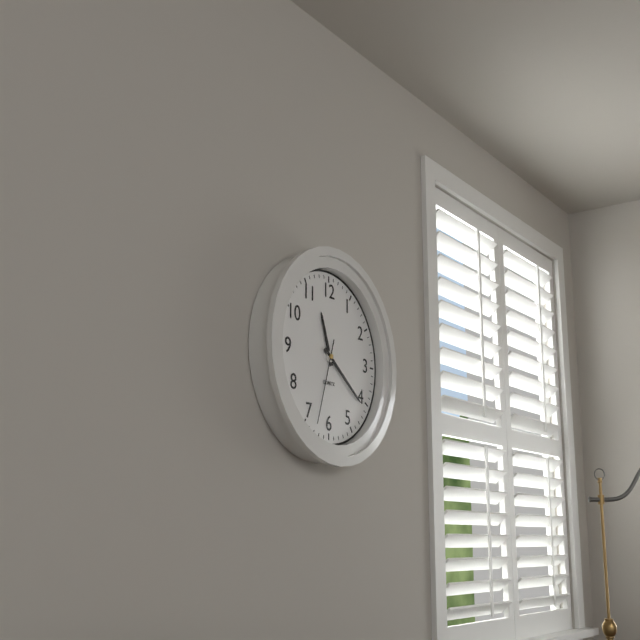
11:21:33
